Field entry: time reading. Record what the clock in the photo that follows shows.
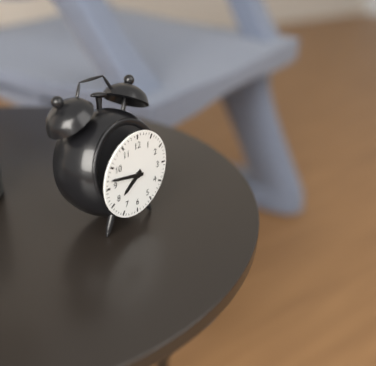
7:47
